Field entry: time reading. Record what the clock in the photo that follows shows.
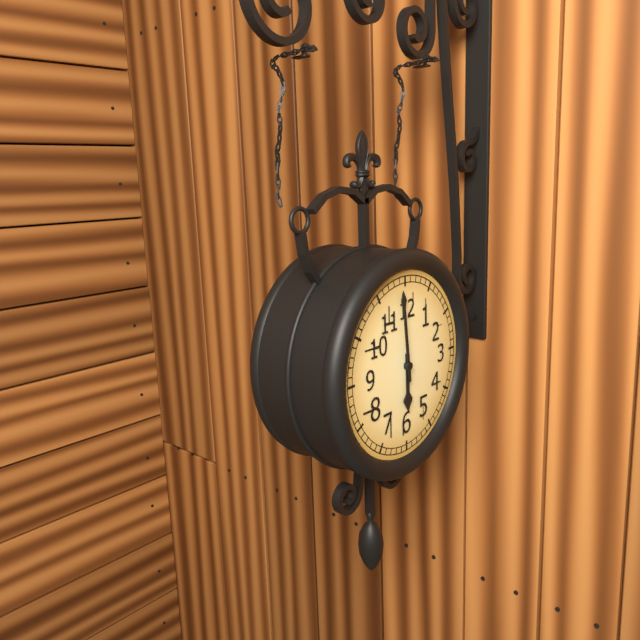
5:59
